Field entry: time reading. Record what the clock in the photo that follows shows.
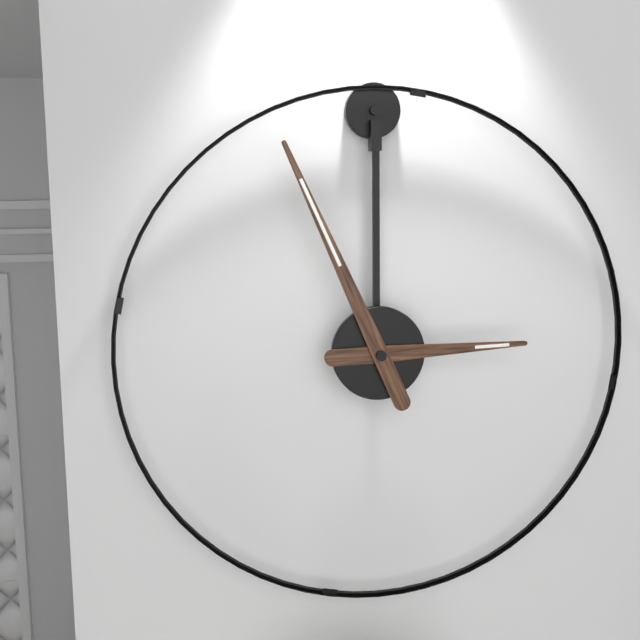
2:56
